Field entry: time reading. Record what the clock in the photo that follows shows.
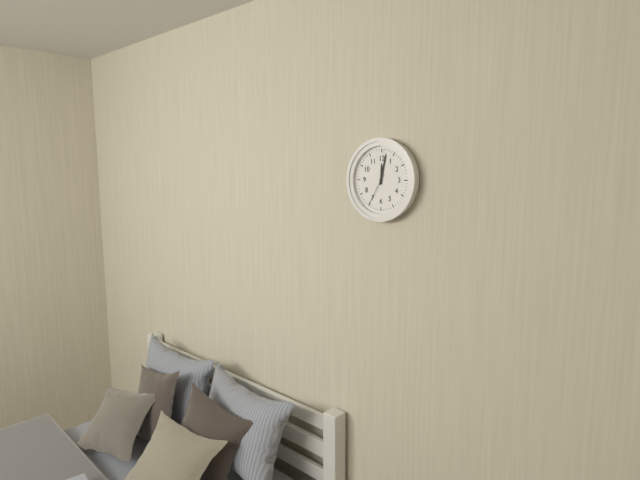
12:02
